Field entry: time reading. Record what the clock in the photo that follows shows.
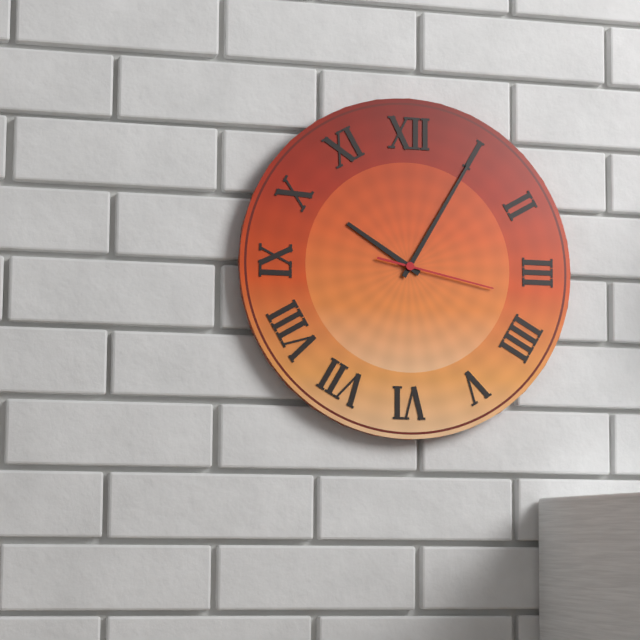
10:05:17
